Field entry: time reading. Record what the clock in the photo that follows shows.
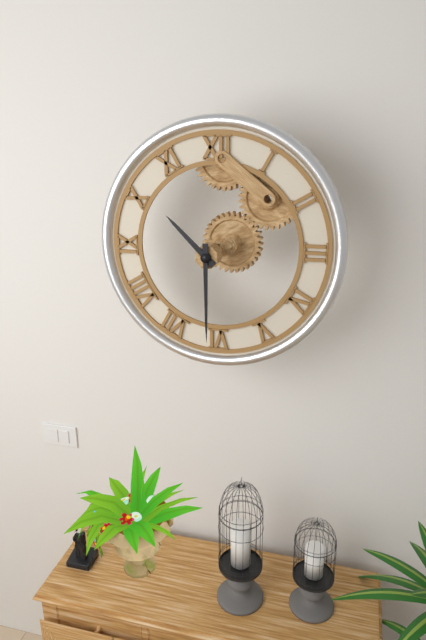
10:30
